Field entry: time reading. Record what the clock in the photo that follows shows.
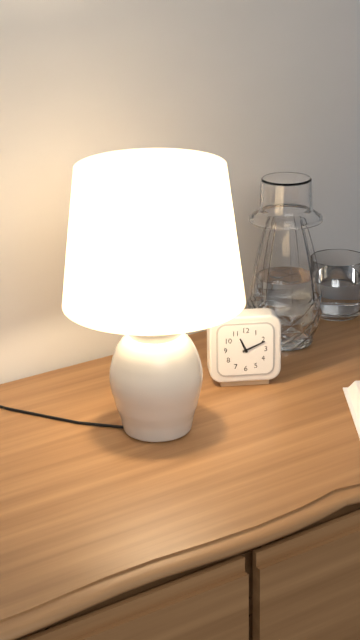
11:11
